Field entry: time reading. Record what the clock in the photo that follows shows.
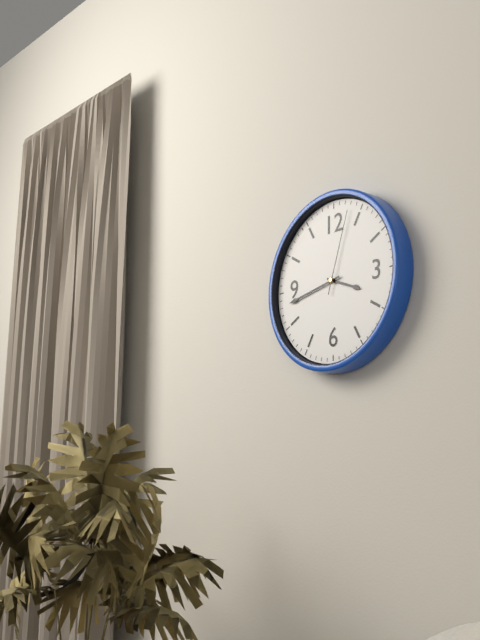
3:43:03
